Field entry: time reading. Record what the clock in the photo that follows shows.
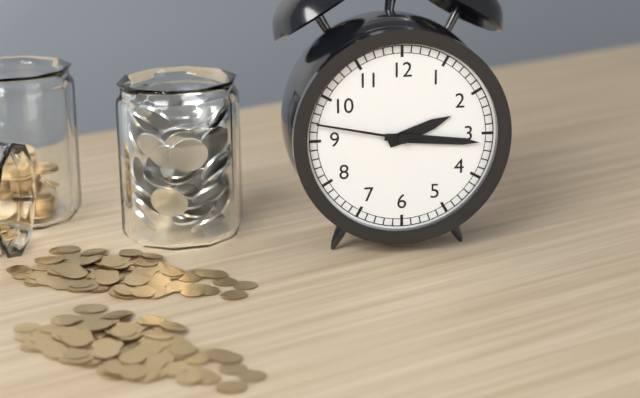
2:16:47
